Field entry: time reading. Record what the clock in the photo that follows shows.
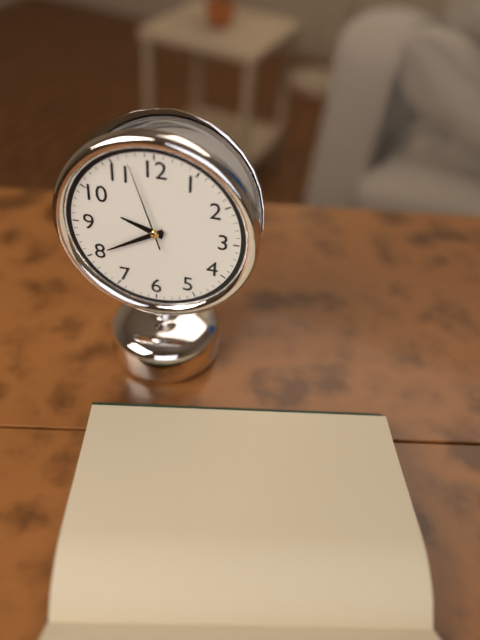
9:40:57
